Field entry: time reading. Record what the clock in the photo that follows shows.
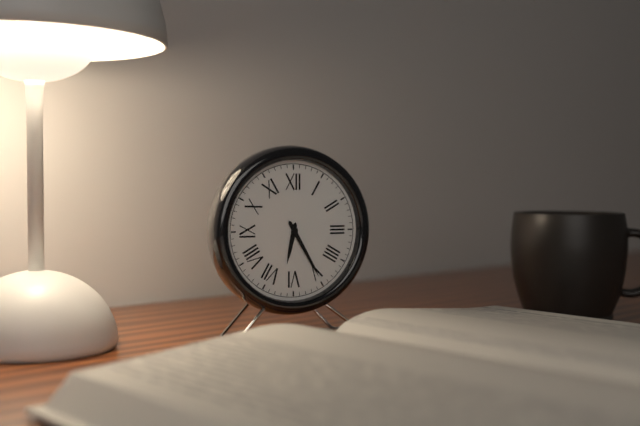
6:25
